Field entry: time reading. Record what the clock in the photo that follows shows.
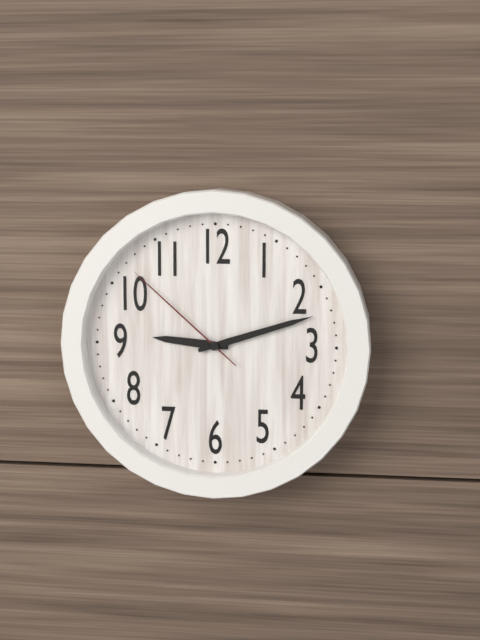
9:12:52
